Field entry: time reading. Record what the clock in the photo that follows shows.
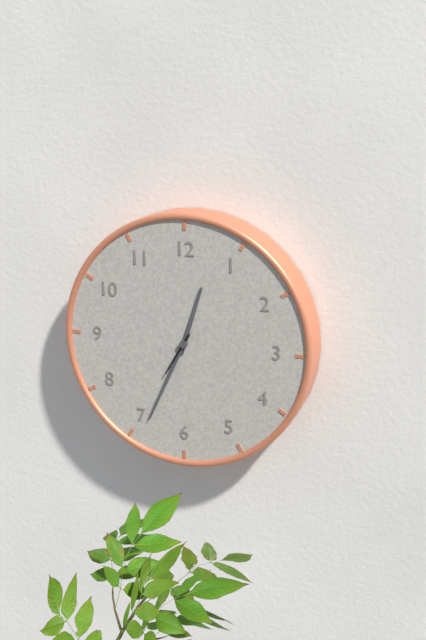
12:34
